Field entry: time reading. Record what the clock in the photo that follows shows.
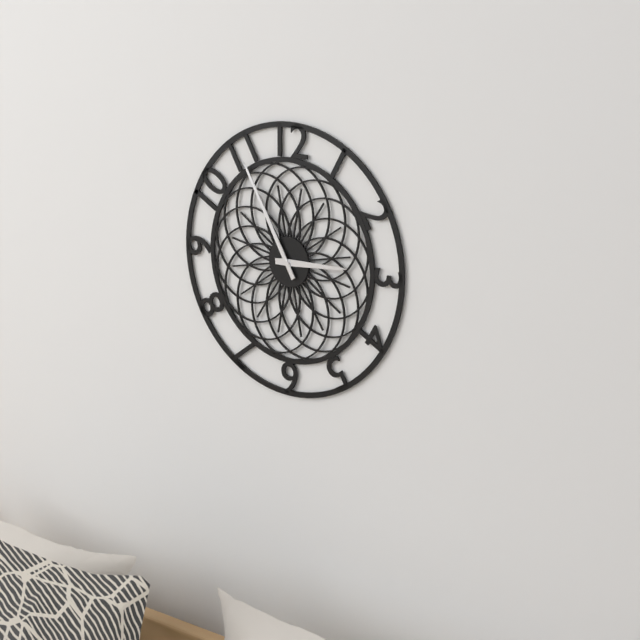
2:55
